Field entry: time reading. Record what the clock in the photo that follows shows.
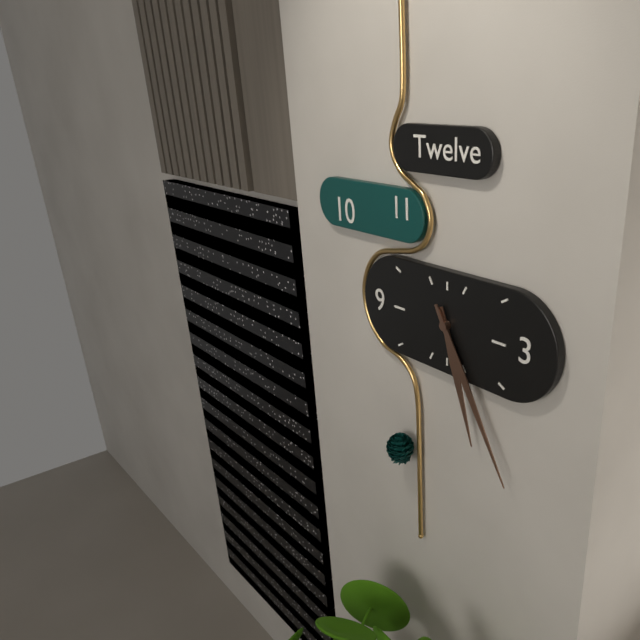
5:25
